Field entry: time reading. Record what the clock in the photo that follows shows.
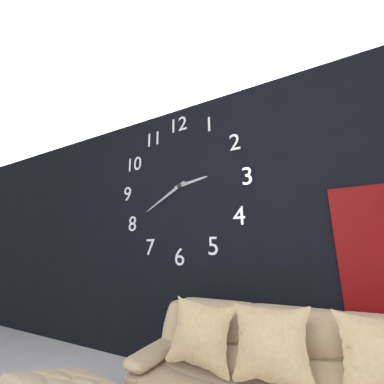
2:40
